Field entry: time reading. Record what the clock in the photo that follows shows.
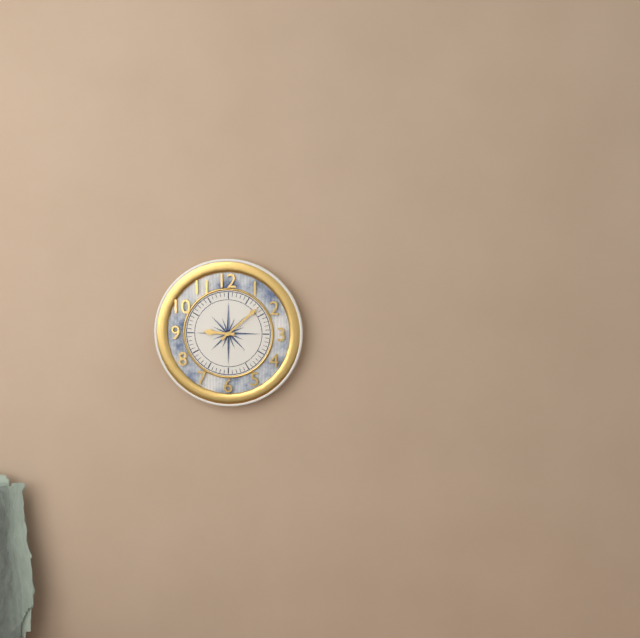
9:08
